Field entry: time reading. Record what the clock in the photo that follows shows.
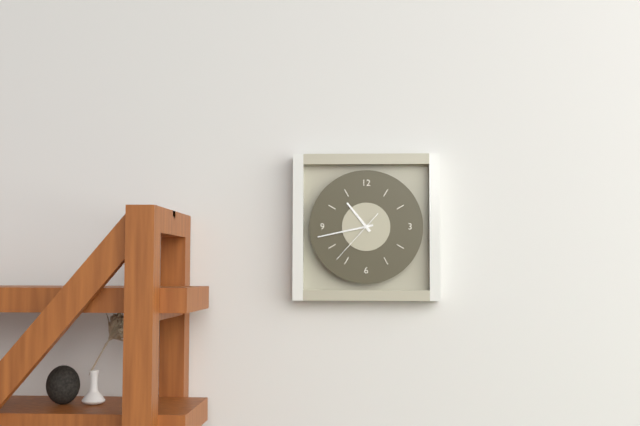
10:43:37
